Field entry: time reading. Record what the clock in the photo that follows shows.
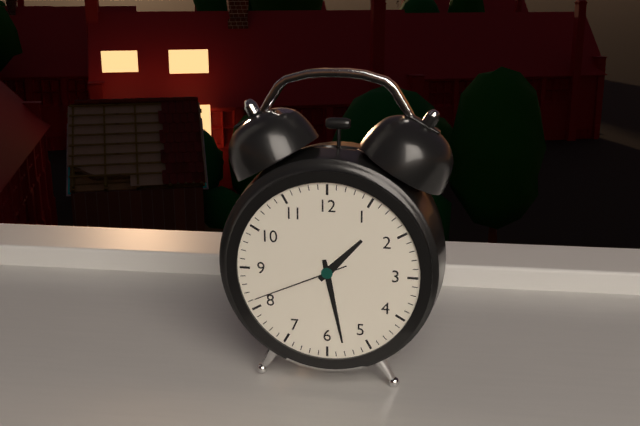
1:28:41
